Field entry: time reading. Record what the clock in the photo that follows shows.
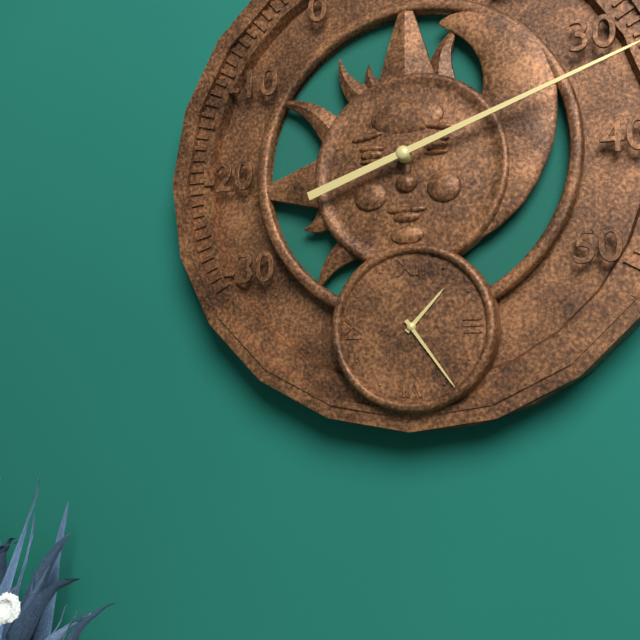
1:24
